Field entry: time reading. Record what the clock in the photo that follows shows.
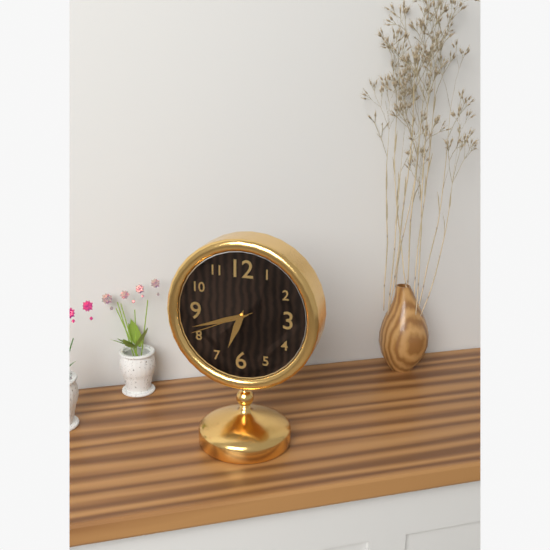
6:42:41
